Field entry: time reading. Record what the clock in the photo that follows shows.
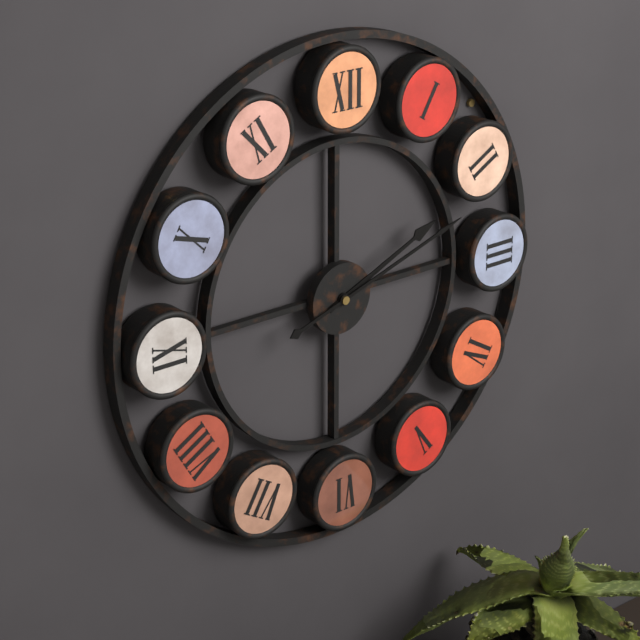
2:12
